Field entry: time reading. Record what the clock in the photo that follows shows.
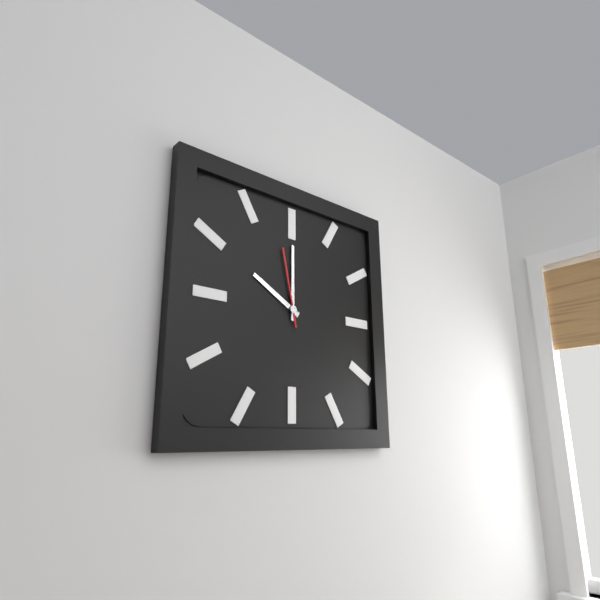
10:00:58
